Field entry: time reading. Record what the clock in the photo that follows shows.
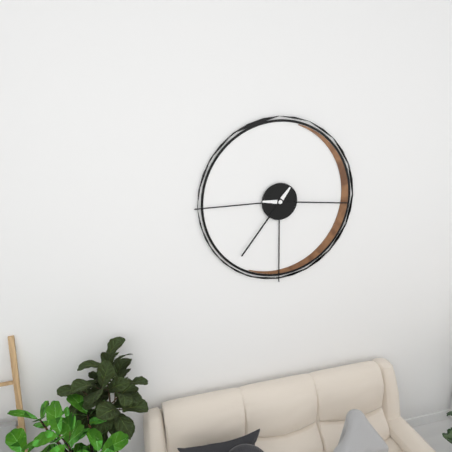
7:16
